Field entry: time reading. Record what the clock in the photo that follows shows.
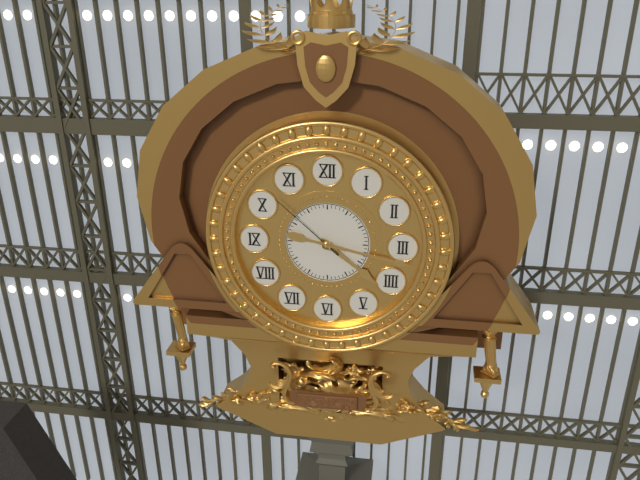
4:17:52
